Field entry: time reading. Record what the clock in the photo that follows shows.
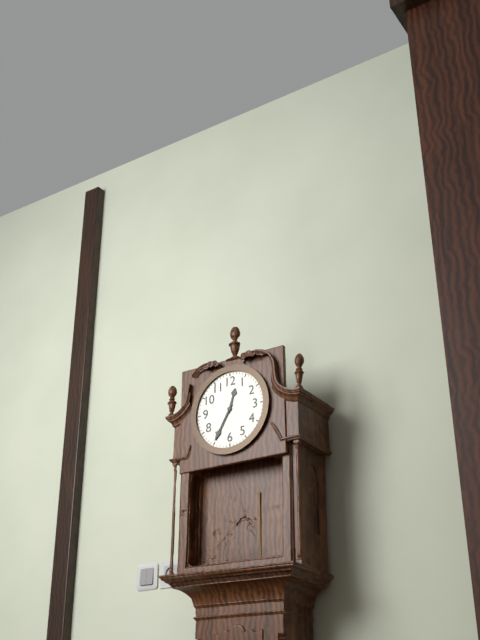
12:35
